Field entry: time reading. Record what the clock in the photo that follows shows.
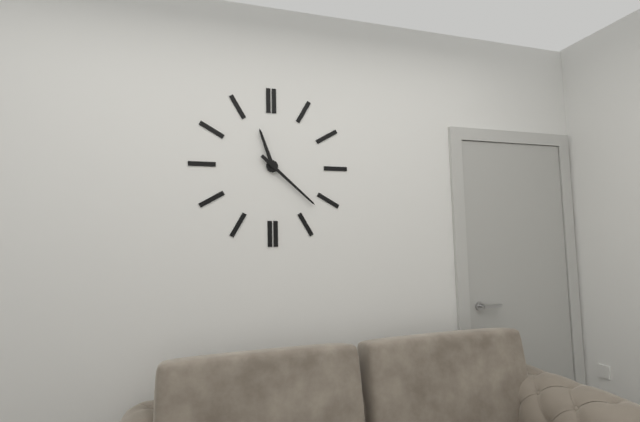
11:22
